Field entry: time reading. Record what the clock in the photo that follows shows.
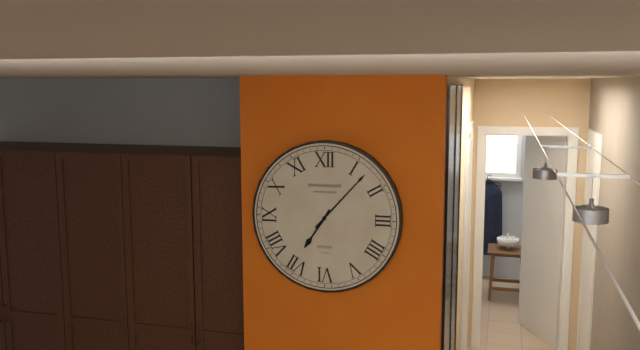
7:07
